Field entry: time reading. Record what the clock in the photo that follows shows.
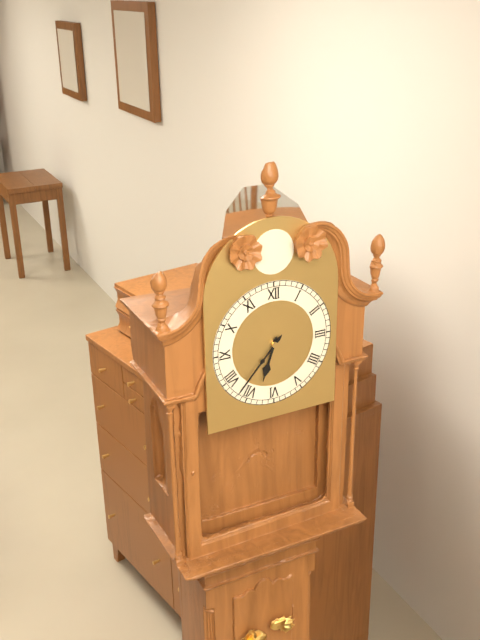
6:37
